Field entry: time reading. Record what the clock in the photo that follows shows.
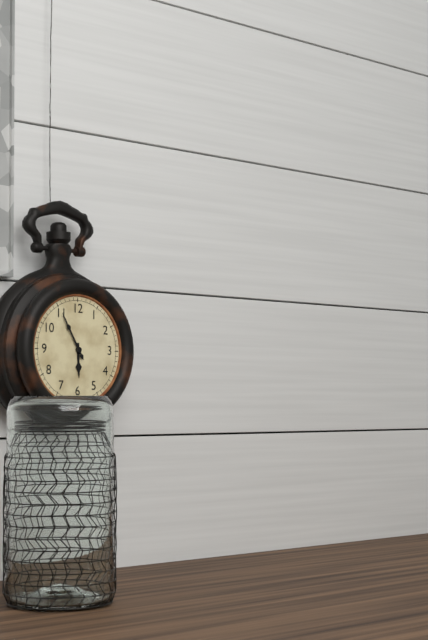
5:55
